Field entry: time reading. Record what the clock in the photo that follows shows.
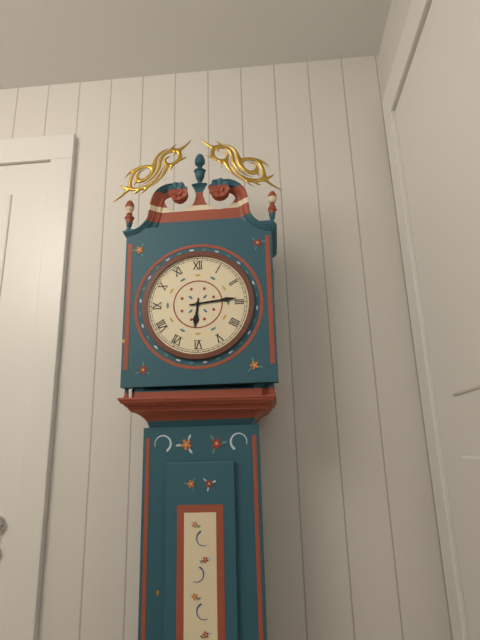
6:14
